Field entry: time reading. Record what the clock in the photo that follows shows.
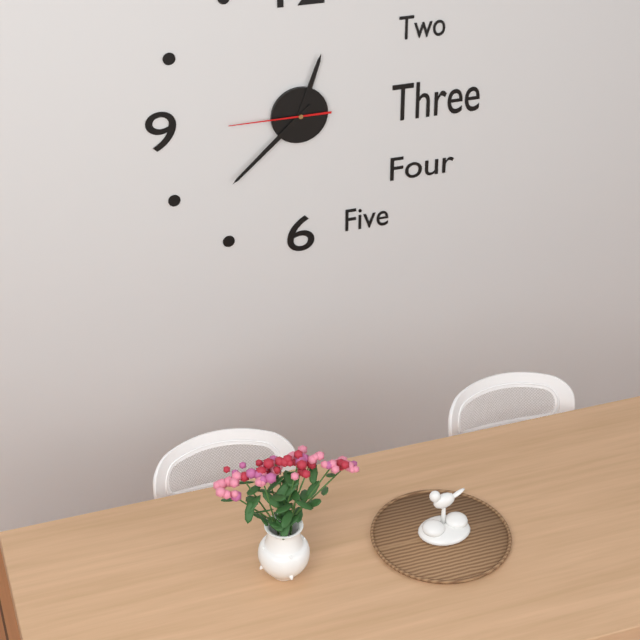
12:38:45
